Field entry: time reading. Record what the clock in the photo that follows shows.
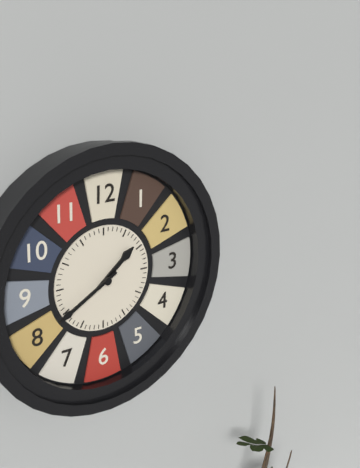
1:40
